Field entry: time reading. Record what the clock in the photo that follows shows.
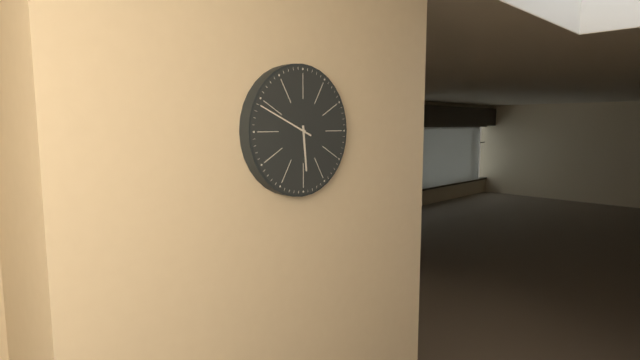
5:49
